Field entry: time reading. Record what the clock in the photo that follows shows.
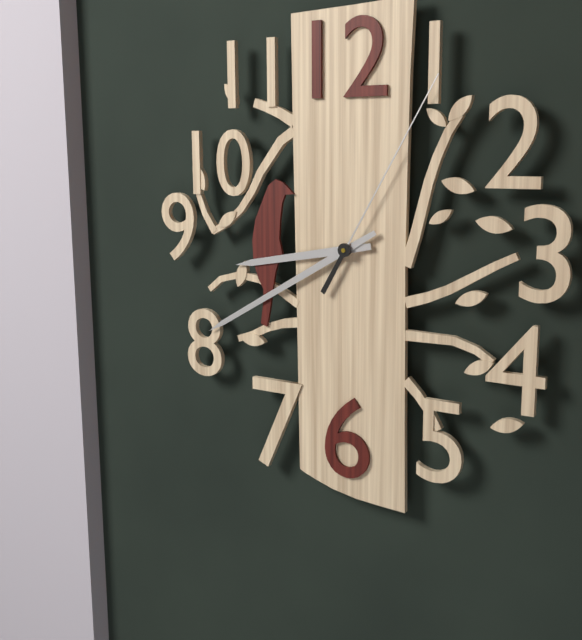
8:40:05
